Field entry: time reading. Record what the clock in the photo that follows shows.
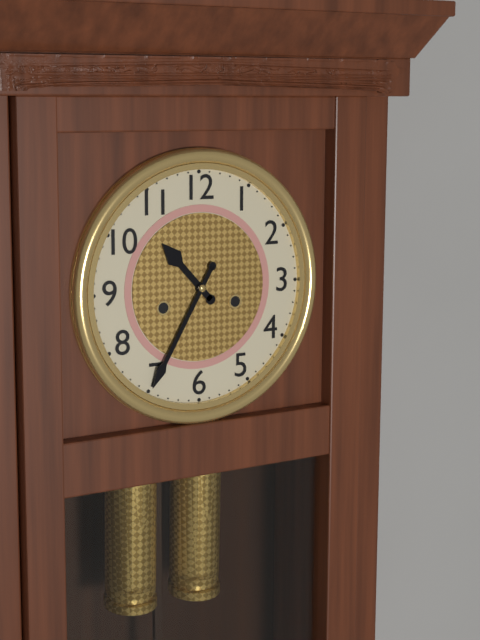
10:35
